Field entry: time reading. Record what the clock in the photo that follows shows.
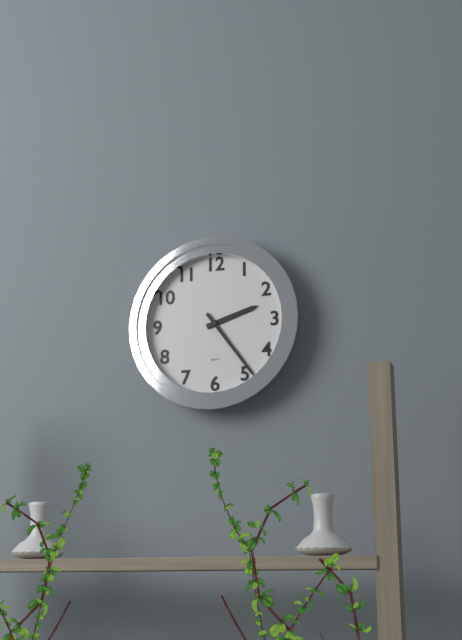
2:24
